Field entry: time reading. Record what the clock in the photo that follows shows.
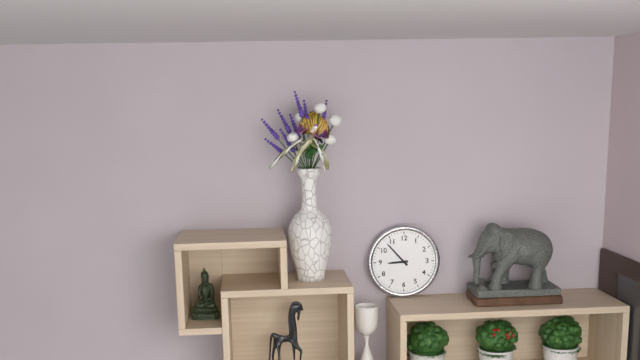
8:53
